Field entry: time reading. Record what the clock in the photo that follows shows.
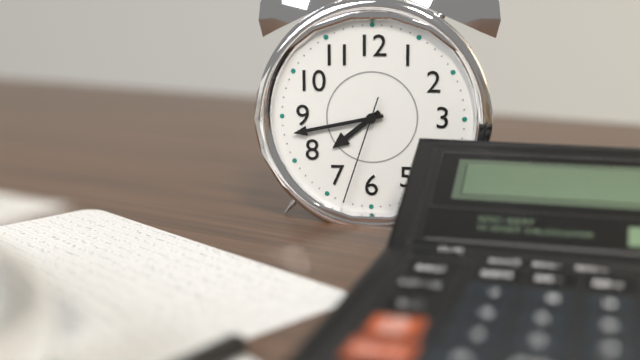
7:43:33
